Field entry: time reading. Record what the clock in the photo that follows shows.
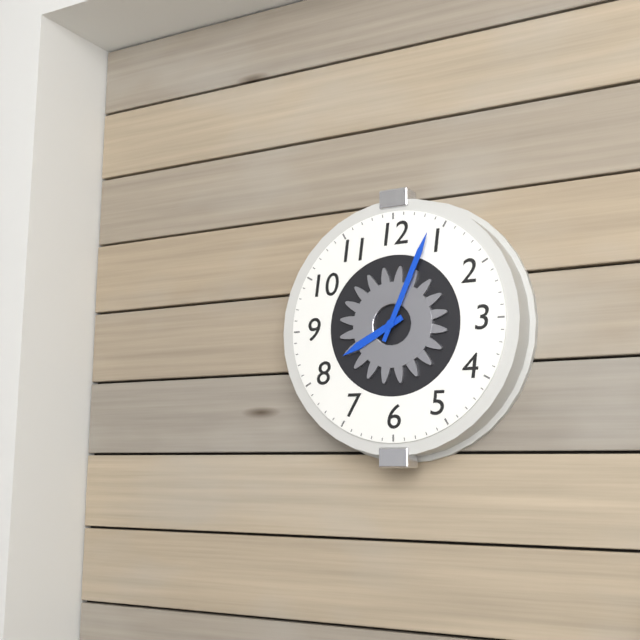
8:04
